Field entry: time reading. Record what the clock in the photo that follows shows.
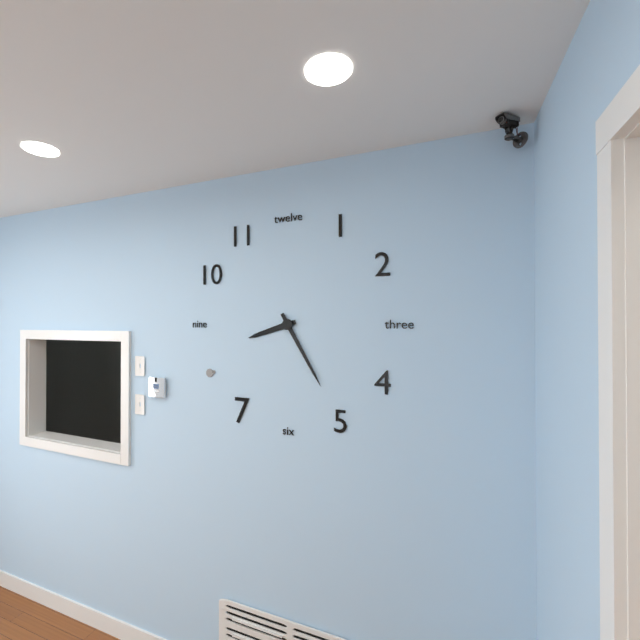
8:25
